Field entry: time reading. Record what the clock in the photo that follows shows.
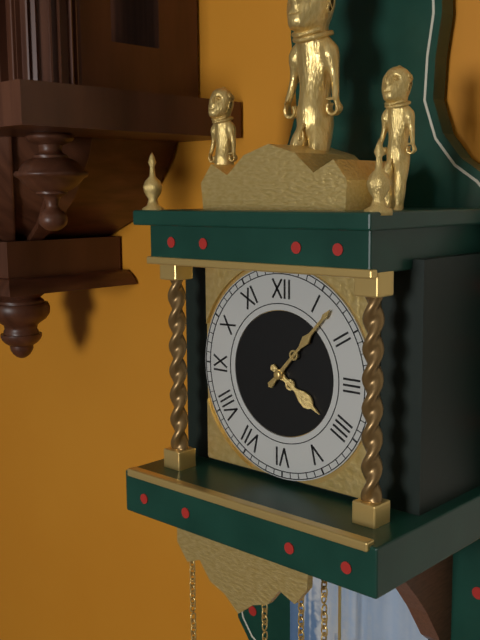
4:07
